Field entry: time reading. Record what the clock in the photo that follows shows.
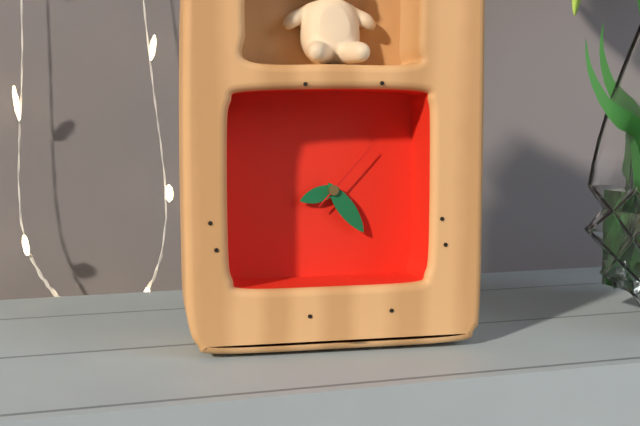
8:24:07
